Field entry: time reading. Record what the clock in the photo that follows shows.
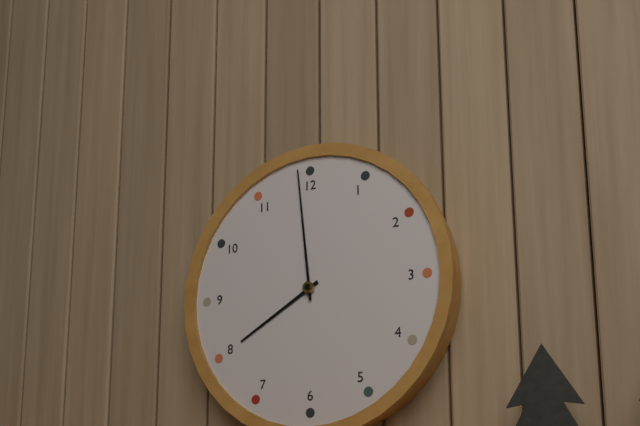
7:59
